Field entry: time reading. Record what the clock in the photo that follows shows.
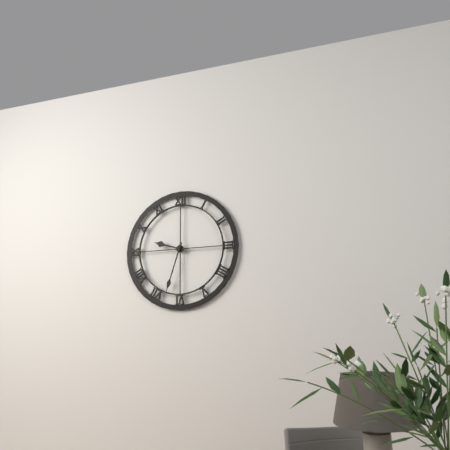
9:33
